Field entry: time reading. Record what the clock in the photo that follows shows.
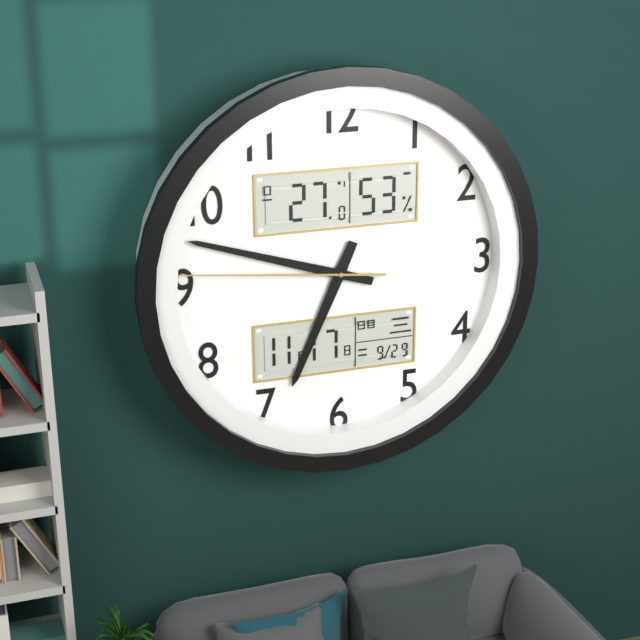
6:48:46
